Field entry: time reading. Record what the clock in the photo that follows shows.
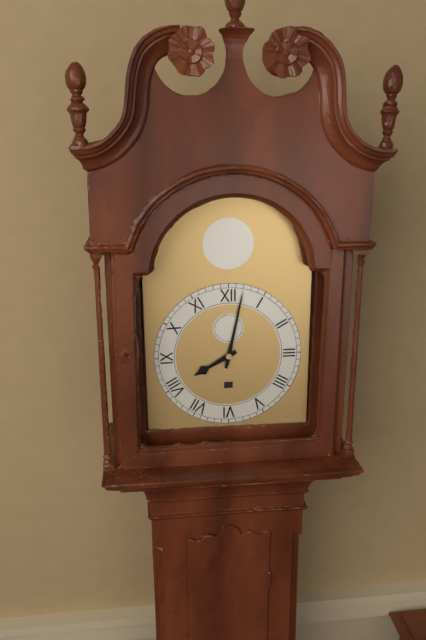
8:02
